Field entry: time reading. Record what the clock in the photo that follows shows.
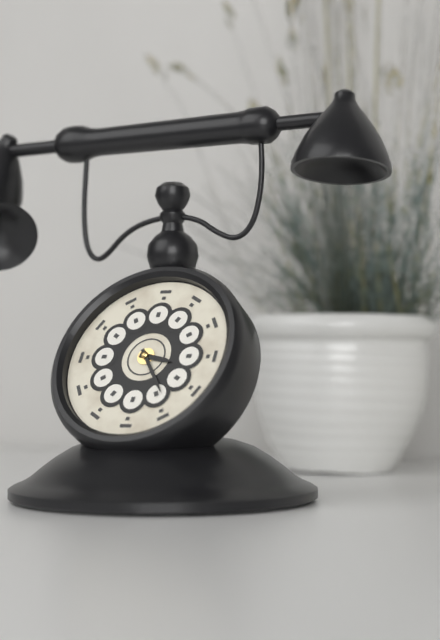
3:24
